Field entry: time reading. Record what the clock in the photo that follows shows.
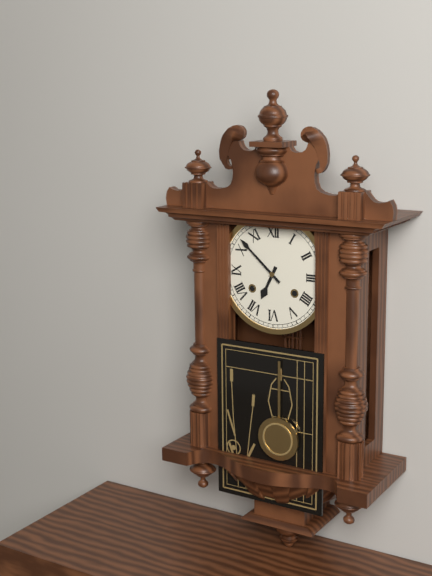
6:52
